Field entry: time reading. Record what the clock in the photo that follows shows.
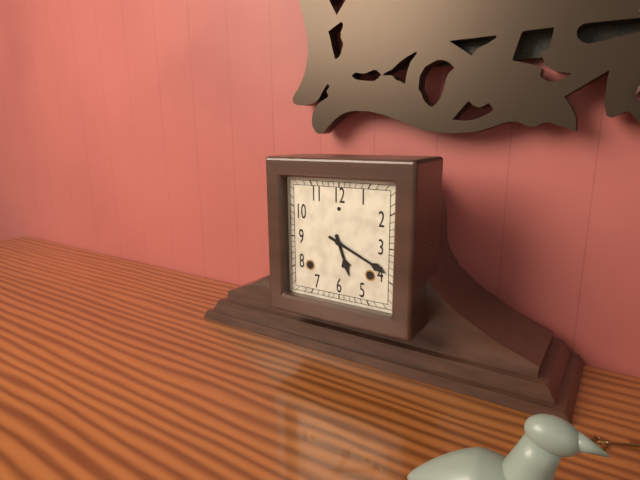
5:19
